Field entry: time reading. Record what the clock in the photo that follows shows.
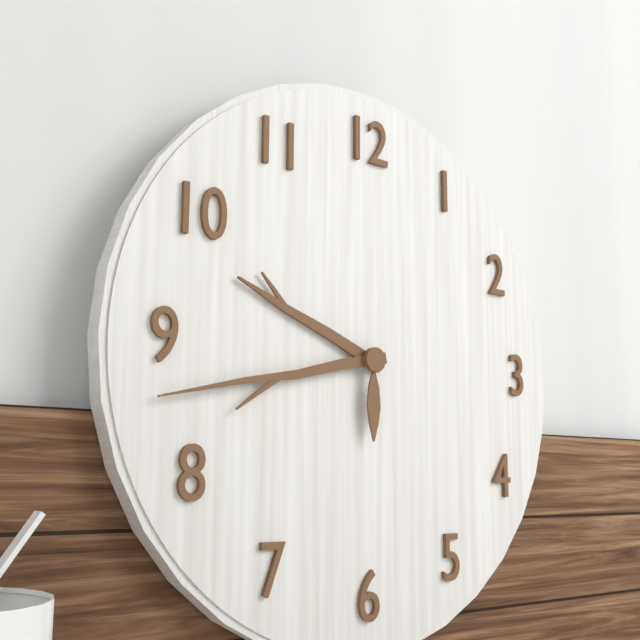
9:43:30
